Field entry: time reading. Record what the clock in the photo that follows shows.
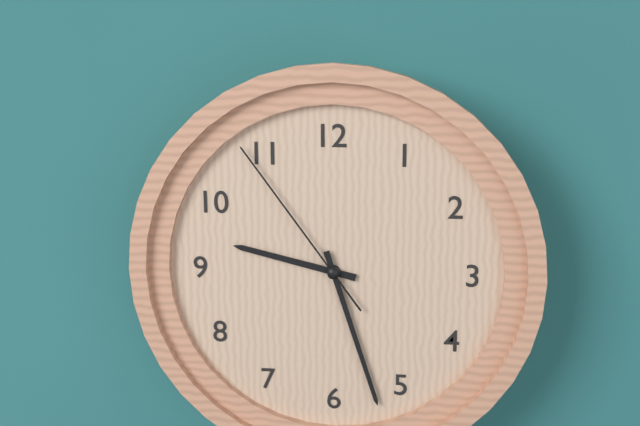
9:27:54
